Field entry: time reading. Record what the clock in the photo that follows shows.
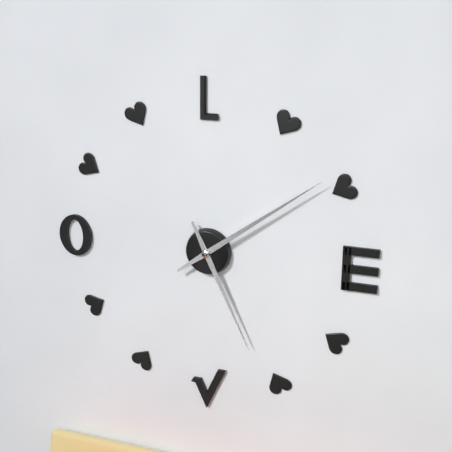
5:09
